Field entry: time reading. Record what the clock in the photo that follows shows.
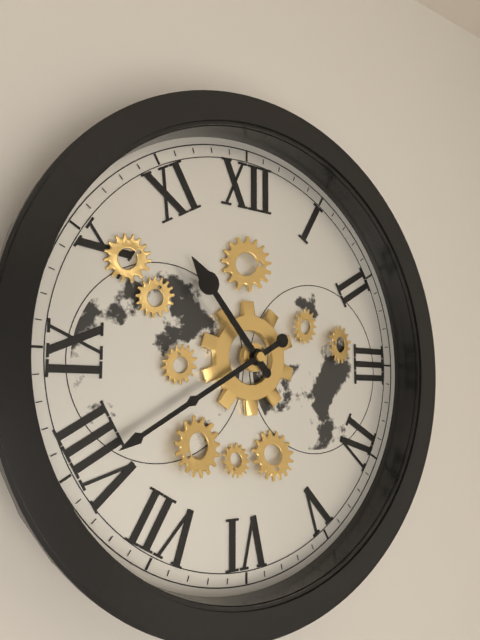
10:40
